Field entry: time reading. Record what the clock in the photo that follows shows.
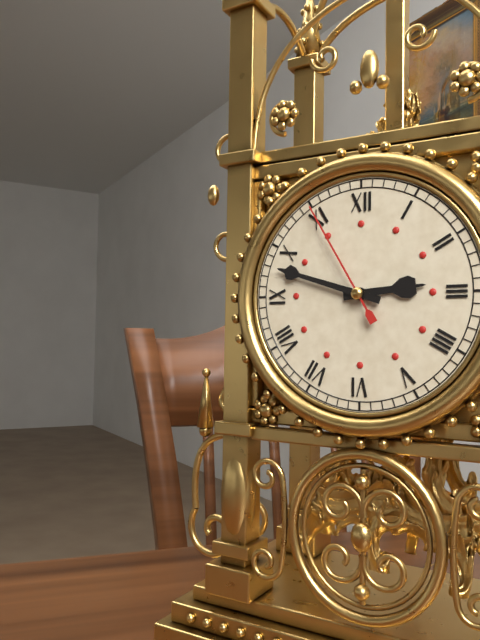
2:48:55
